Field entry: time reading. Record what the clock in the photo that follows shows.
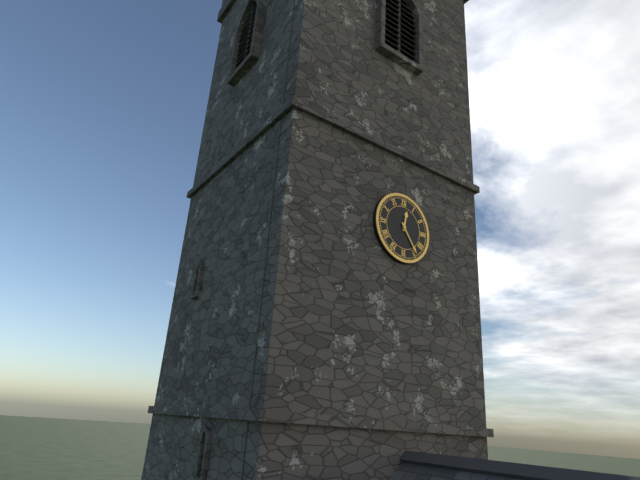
12:24
